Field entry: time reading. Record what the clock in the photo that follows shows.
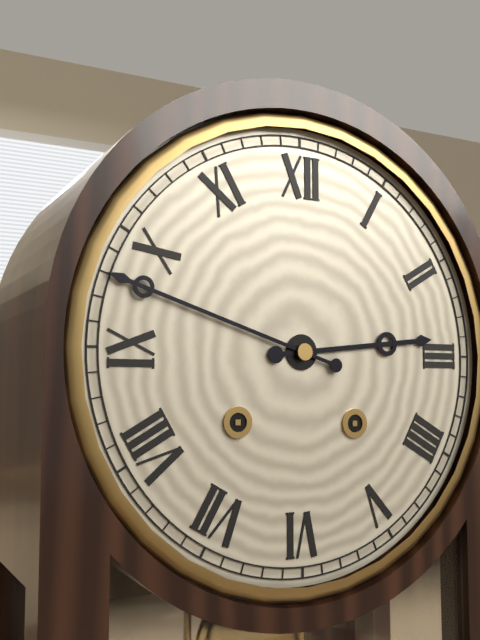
2:48
